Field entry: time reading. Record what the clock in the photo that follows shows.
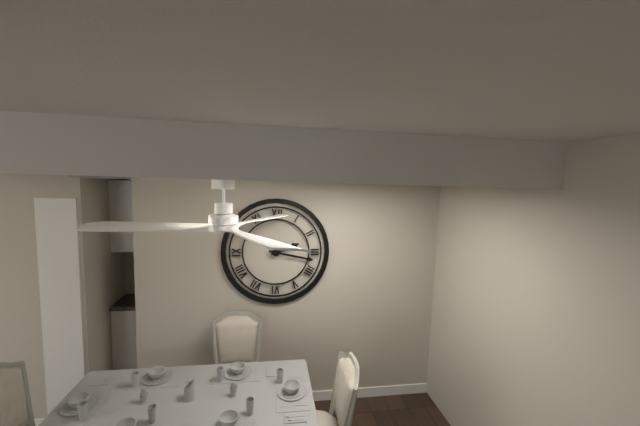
2:17
